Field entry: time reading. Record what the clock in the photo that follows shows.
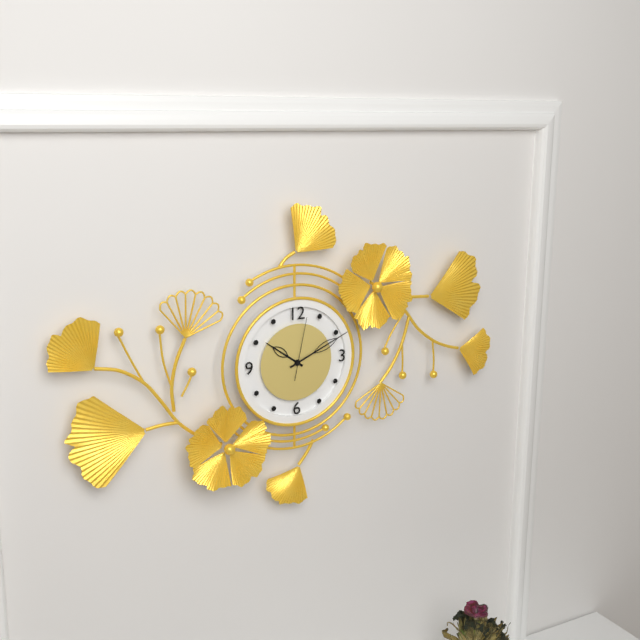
10:11:02
